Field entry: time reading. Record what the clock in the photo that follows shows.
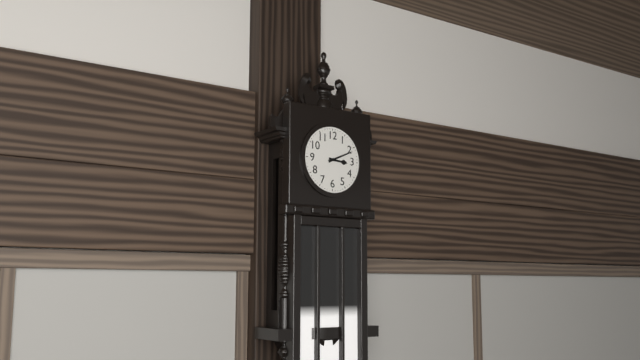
3:11
